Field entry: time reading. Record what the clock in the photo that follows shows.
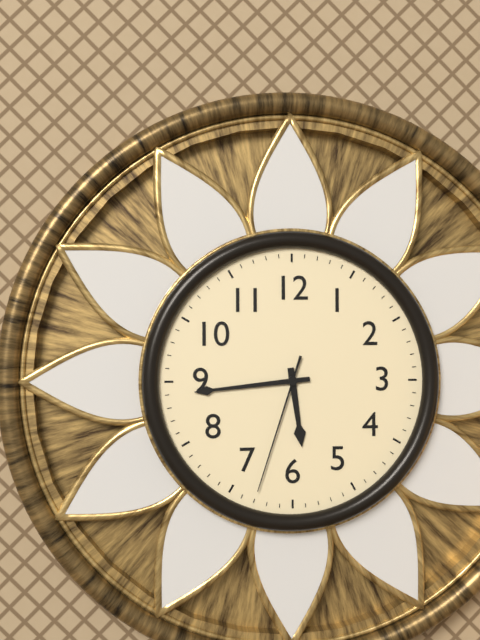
5:44:33
